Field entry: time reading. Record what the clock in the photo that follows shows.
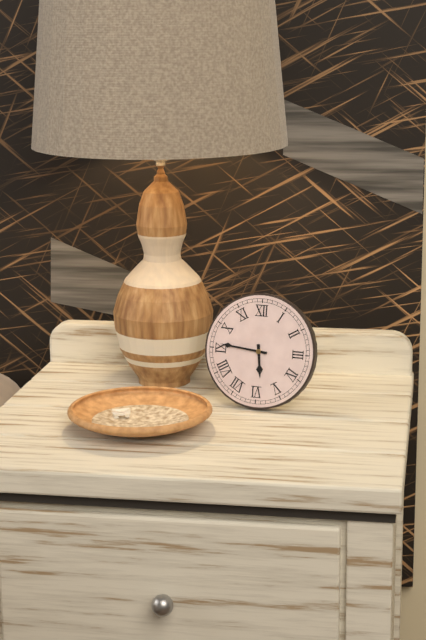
5:46
